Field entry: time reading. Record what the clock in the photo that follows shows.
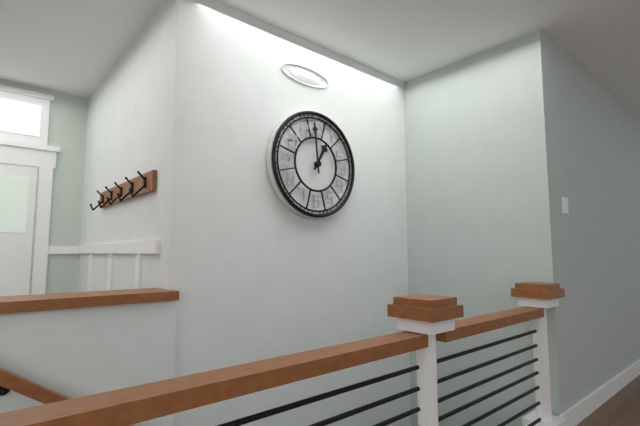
12:59
